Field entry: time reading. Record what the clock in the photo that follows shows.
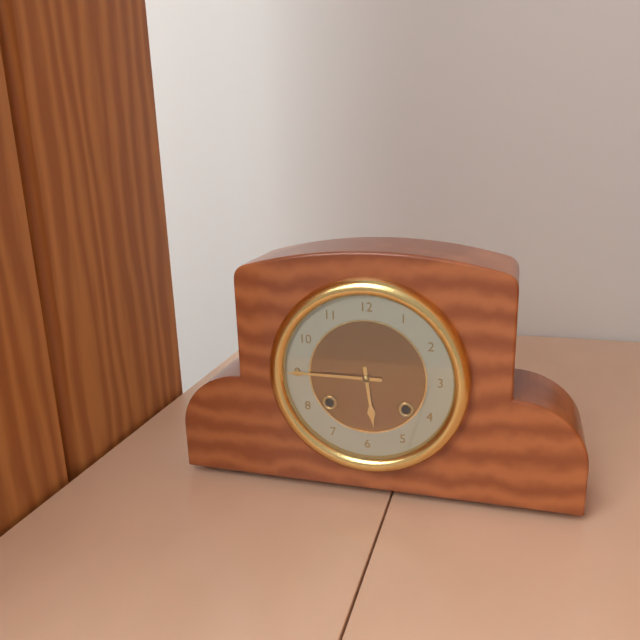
5:45
